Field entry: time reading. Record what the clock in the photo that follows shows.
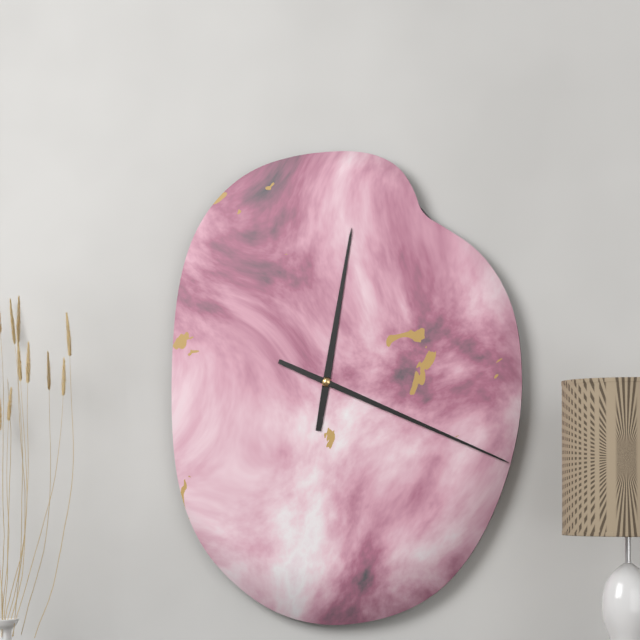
12:19
